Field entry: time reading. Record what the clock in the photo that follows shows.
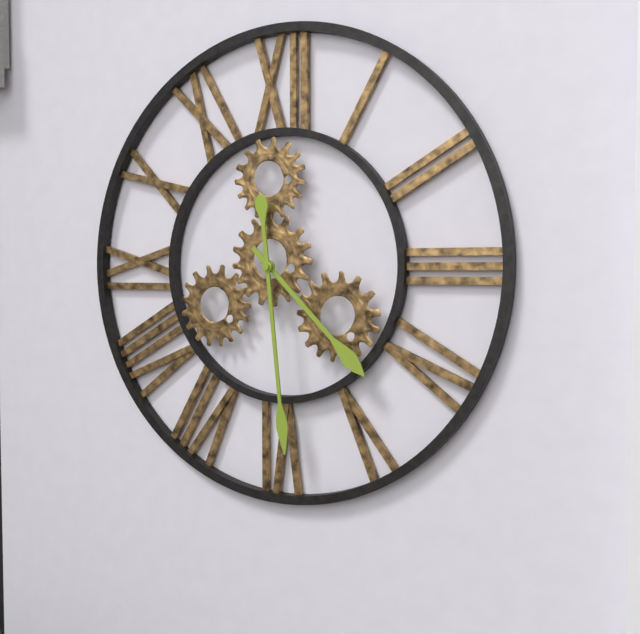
4:29
